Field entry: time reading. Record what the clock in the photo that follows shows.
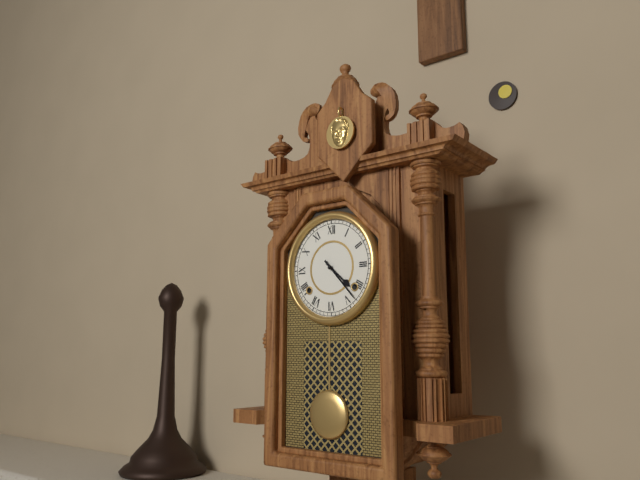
4:23
